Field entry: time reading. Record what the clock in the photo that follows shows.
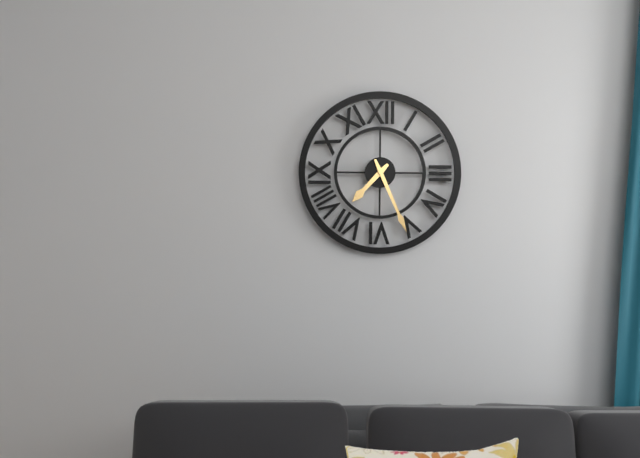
7:26
